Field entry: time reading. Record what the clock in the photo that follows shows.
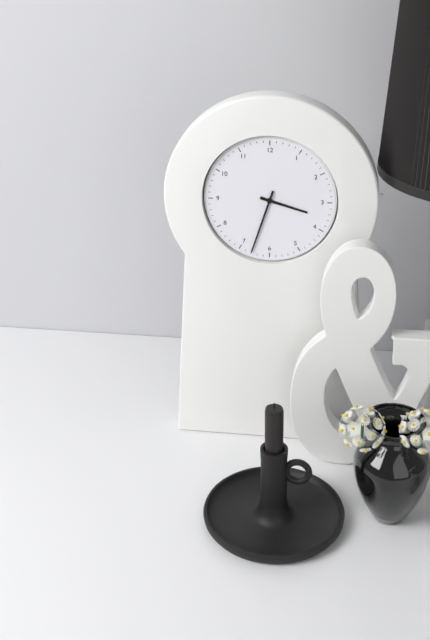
3:33
